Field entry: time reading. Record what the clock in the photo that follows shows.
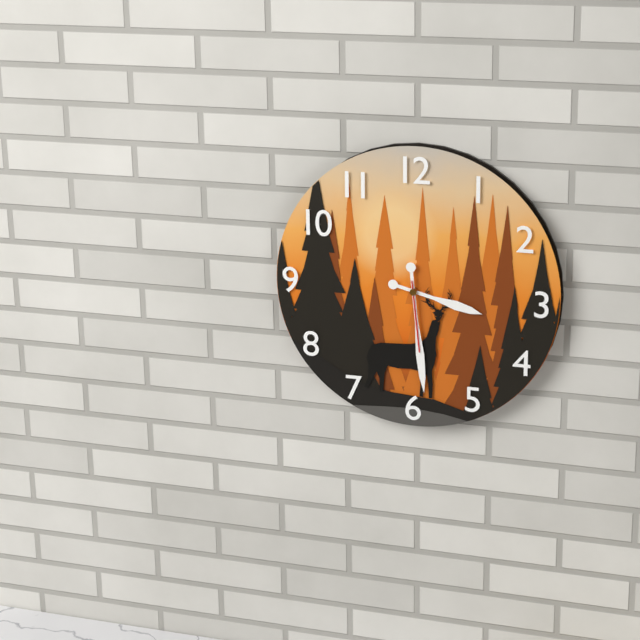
3:29:29
